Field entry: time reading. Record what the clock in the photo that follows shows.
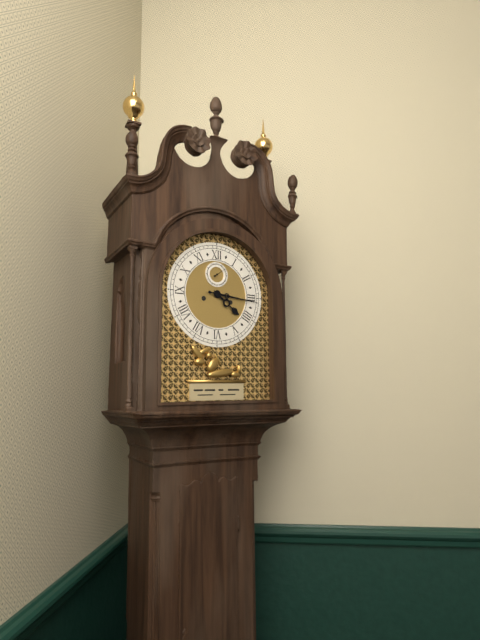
4:16
